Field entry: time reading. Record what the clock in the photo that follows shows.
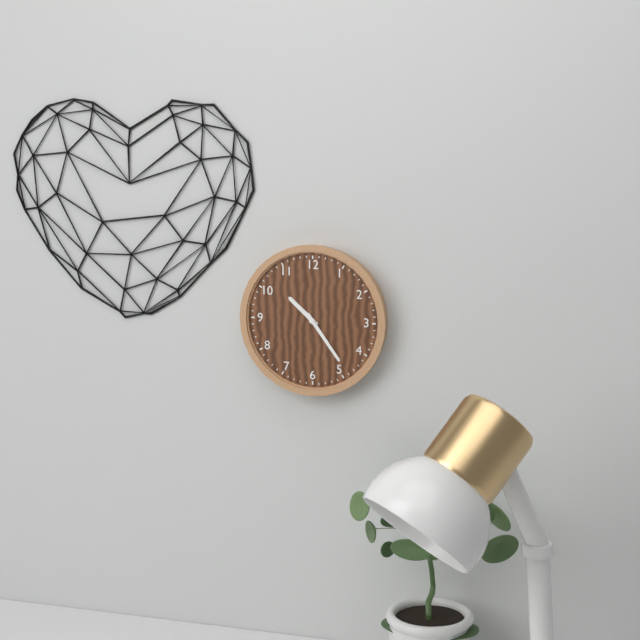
10:24
